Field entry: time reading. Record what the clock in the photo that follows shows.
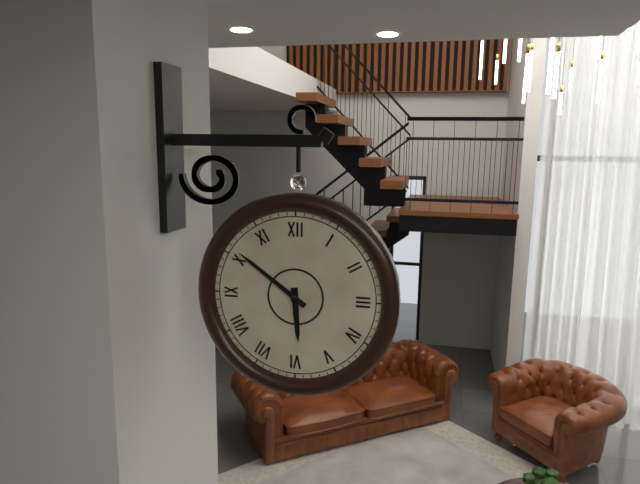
5:51
